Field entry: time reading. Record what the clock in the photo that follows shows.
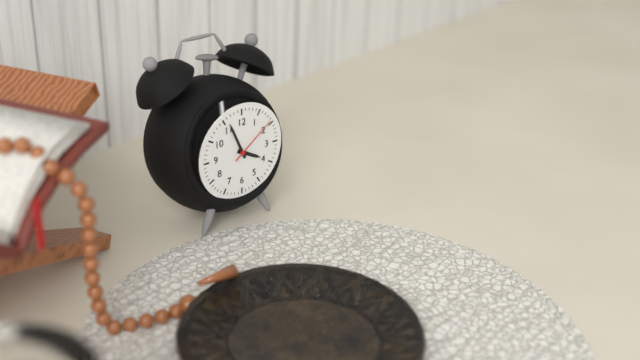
3:56:09
